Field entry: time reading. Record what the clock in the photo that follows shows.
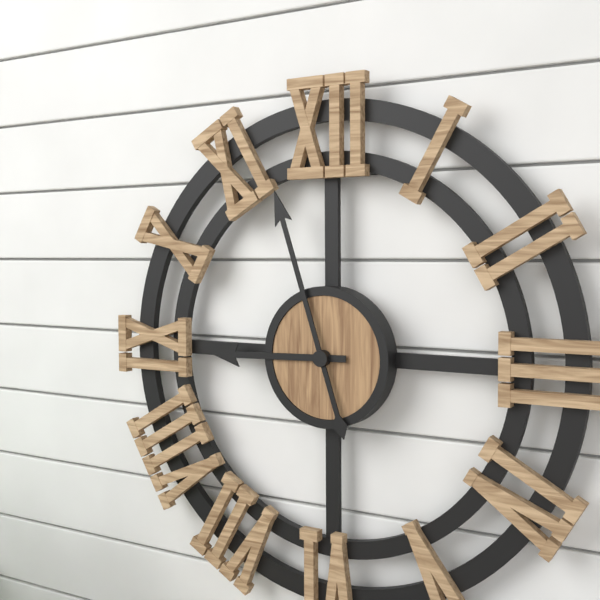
8:57
